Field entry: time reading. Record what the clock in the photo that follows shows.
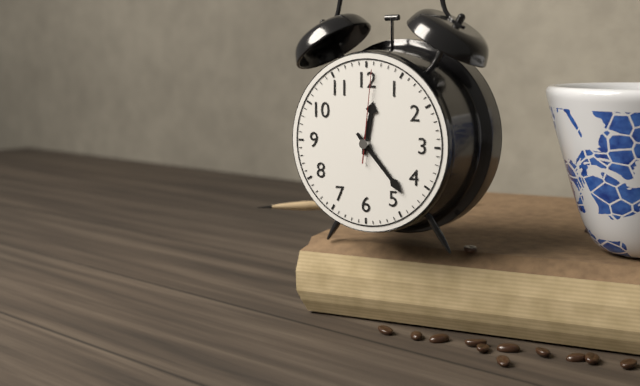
12:23:01
